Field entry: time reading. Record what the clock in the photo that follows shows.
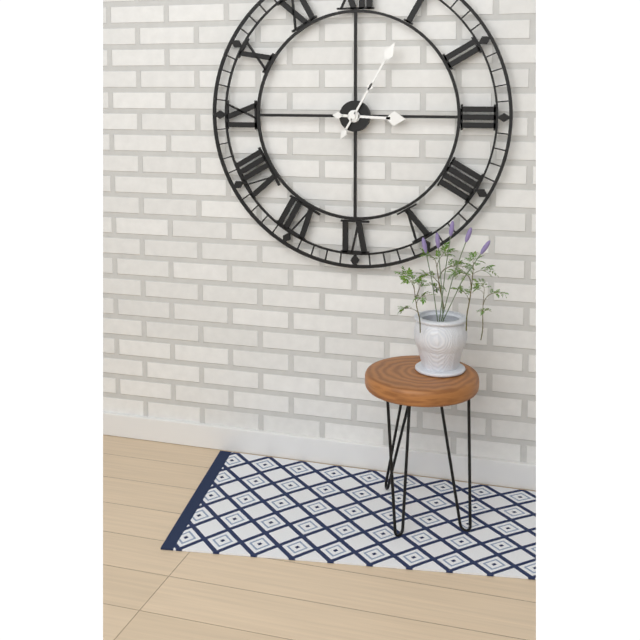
3:05
